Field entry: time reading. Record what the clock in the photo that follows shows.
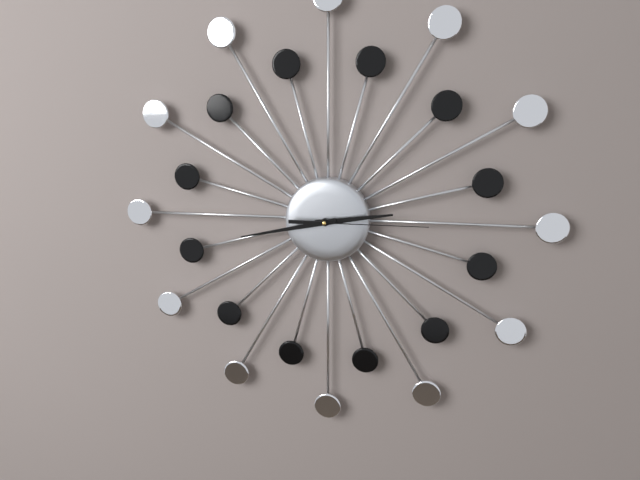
2:43:15
